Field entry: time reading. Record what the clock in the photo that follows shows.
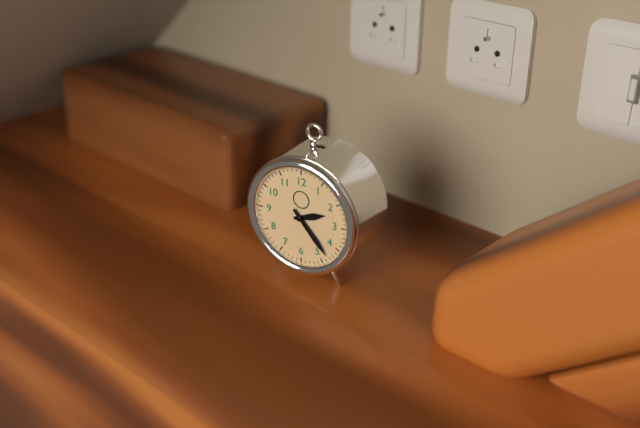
2:23
